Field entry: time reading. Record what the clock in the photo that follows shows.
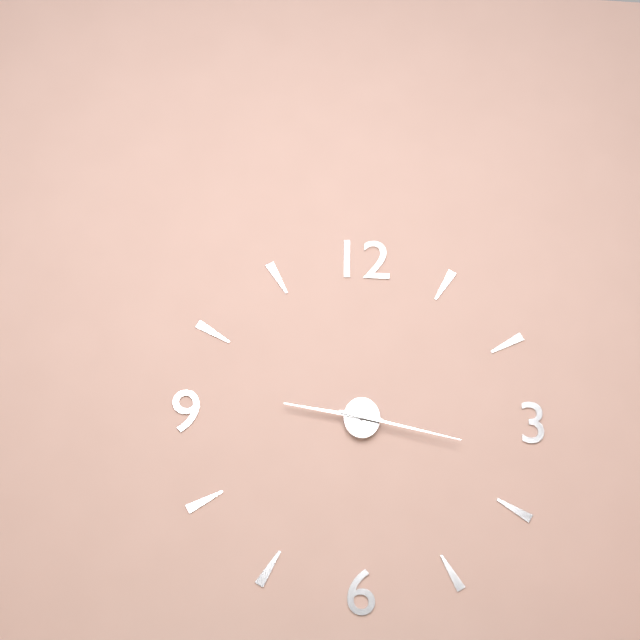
9:17
